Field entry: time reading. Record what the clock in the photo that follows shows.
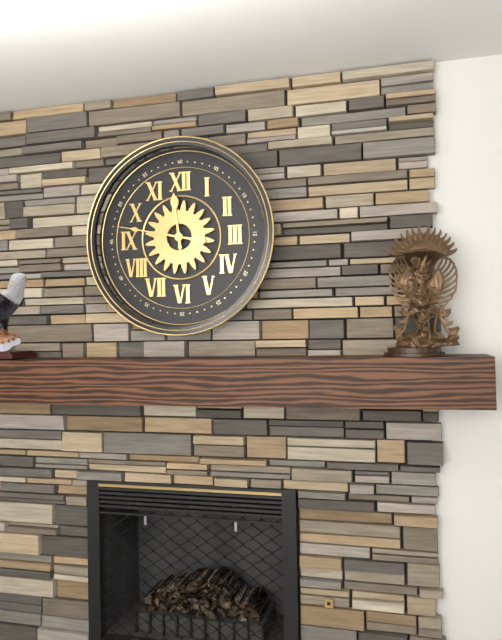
11:47
